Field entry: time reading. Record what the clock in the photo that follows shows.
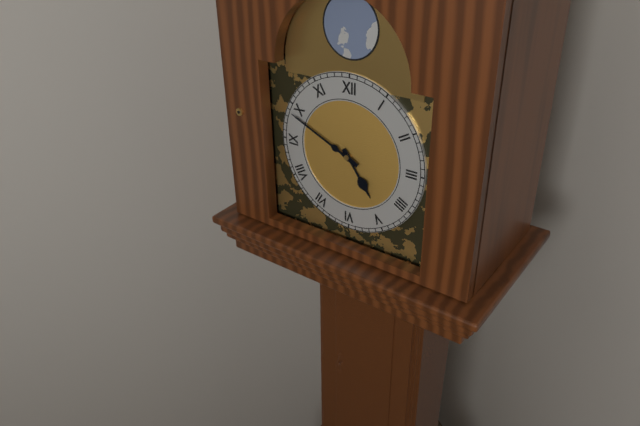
4:49
